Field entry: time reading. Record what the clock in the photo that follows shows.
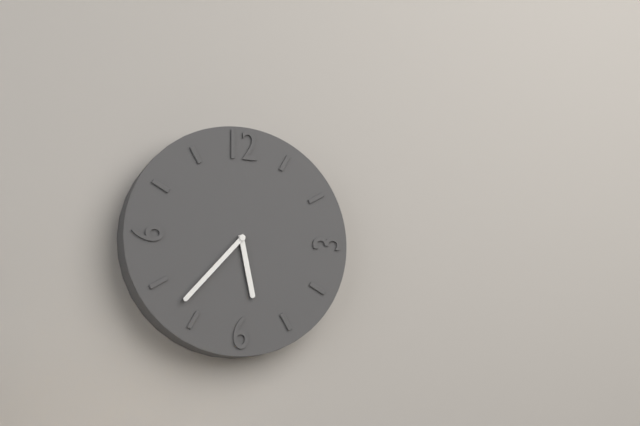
5:37
